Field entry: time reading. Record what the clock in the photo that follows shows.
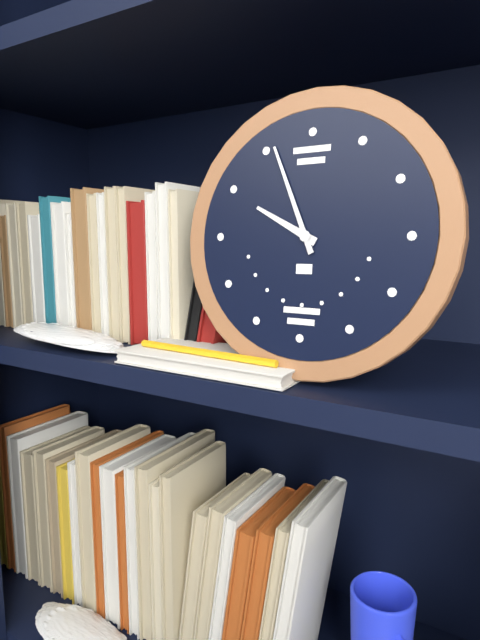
9:56
